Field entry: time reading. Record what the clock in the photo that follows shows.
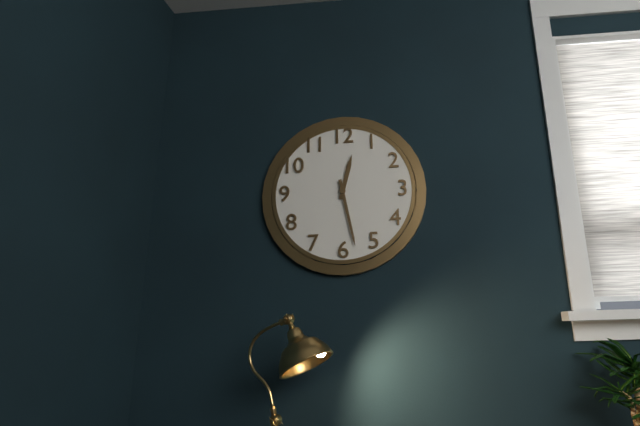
12:28
